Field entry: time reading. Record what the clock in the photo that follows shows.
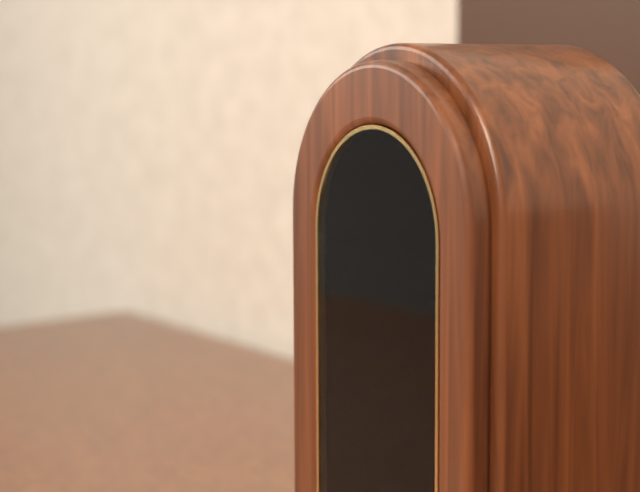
10:40
